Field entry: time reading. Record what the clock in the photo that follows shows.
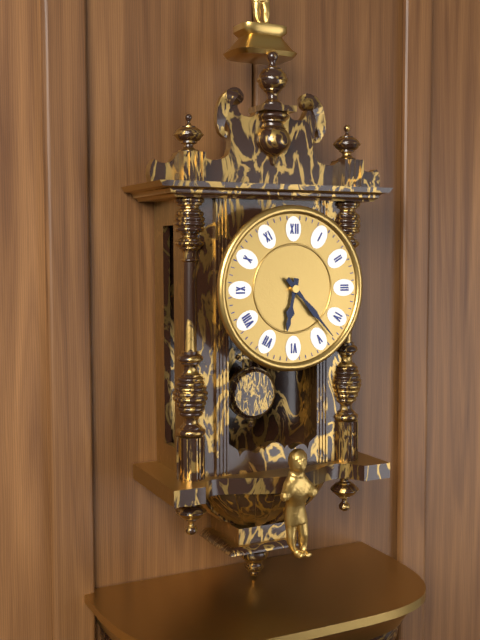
6:23
